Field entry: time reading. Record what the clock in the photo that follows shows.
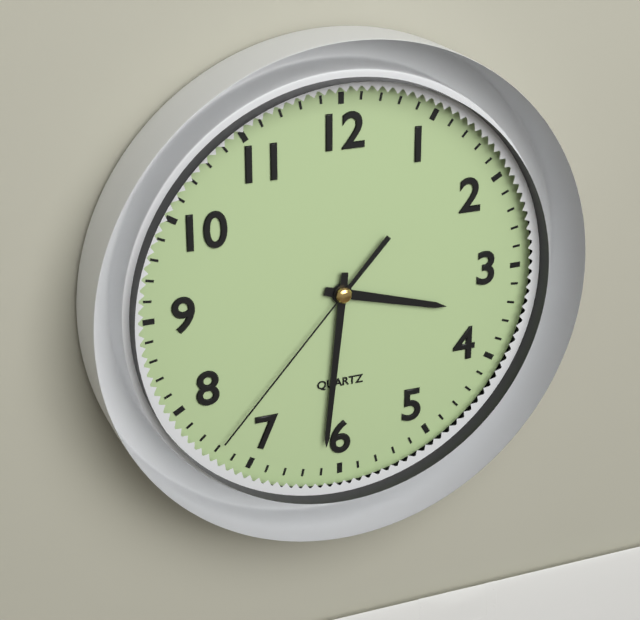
3:31:37
